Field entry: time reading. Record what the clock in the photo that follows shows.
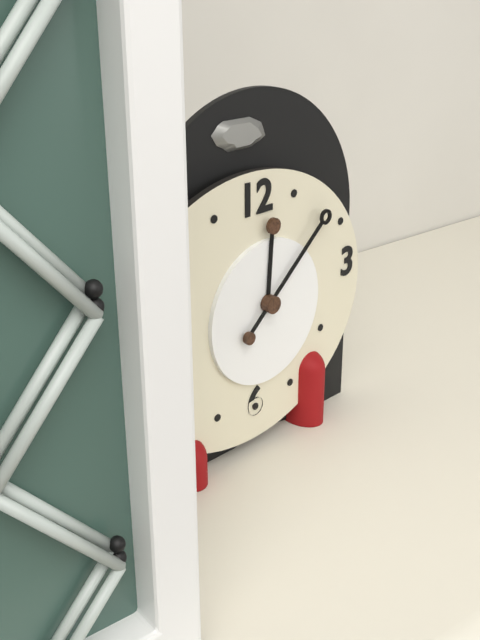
12:08
